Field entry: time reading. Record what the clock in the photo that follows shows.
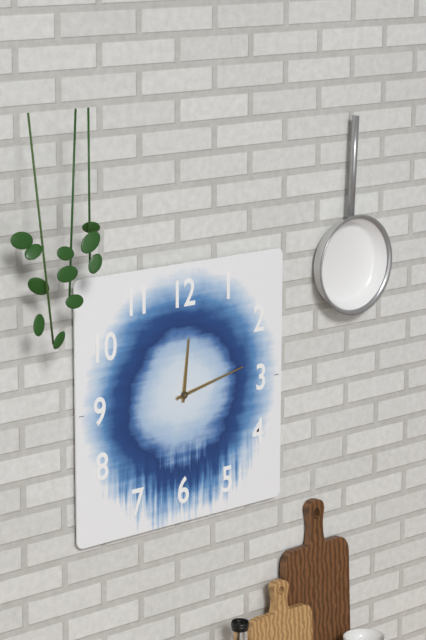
12:13
